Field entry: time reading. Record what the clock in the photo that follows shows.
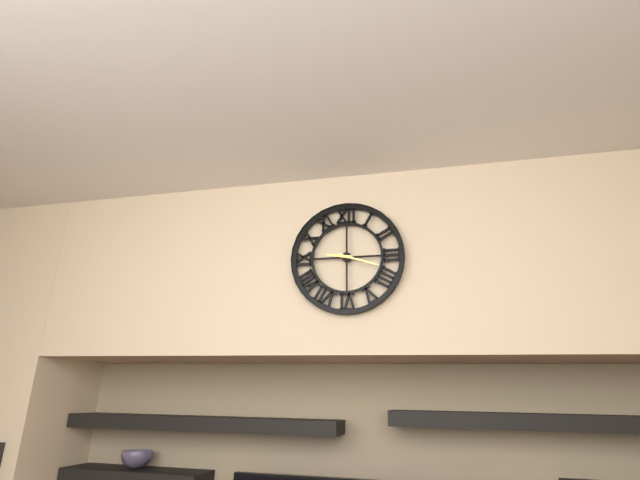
9:18
